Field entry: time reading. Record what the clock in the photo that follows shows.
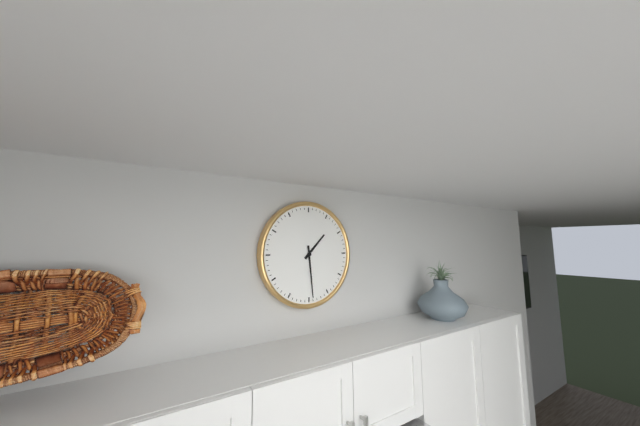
1:29
